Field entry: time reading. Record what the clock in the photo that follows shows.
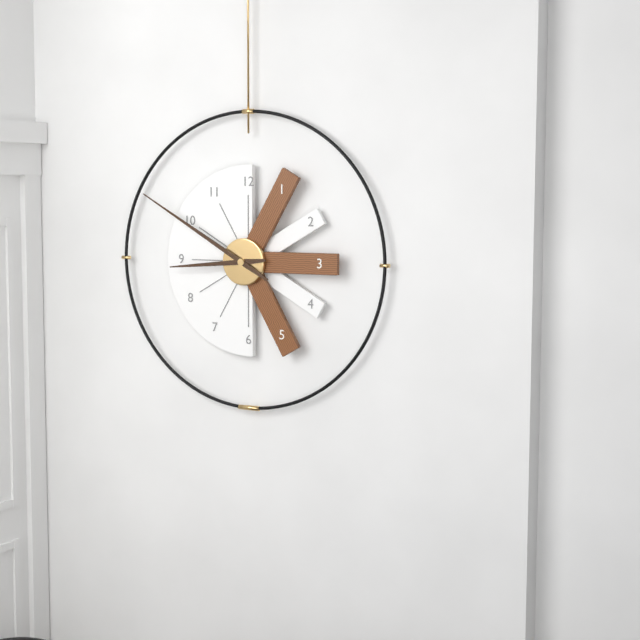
8:50
